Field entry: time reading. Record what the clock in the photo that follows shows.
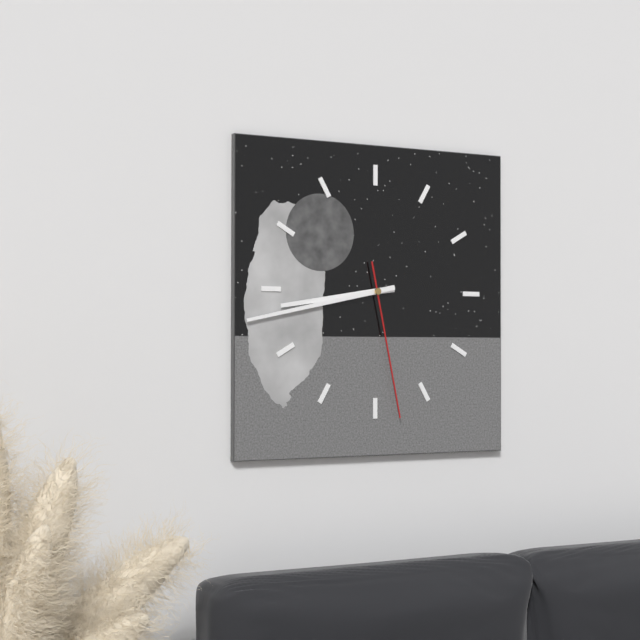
8:43:28
